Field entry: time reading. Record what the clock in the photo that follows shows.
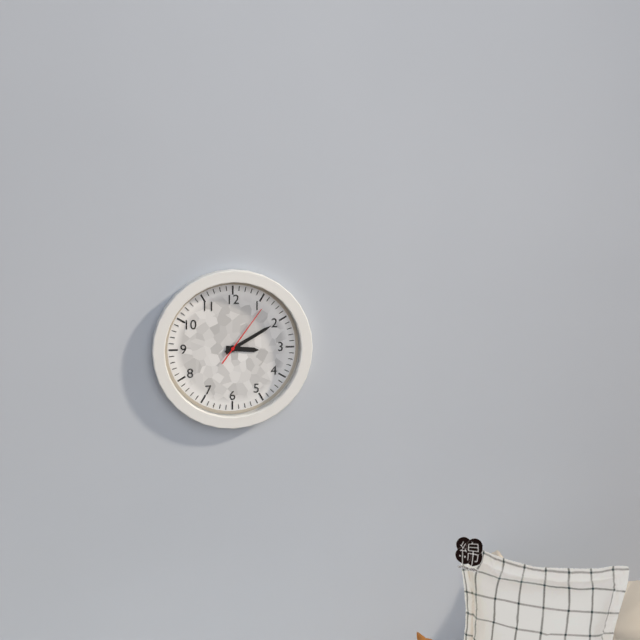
3:10:06
